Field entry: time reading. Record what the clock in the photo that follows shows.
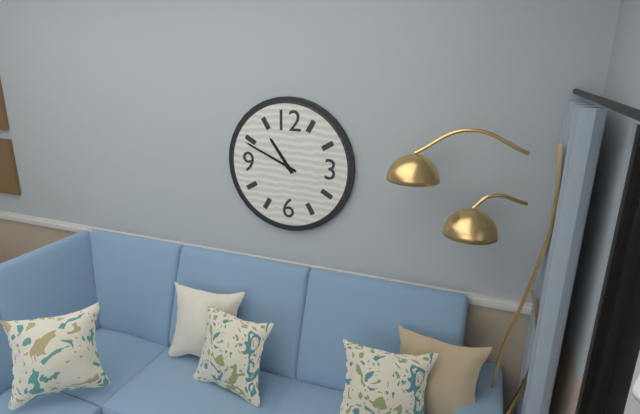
10:49
